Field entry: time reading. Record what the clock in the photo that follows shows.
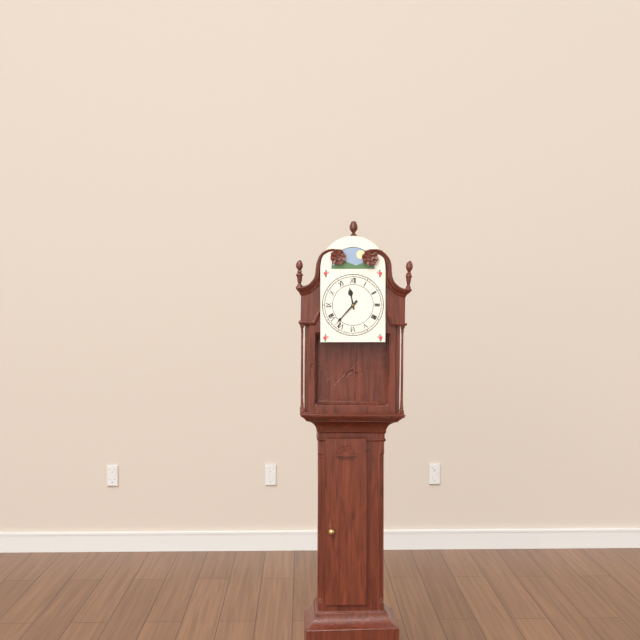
11:37
